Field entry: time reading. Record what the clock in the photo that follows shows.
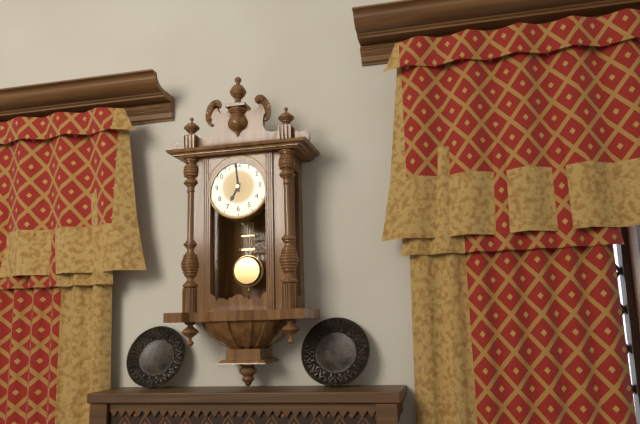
6:59
